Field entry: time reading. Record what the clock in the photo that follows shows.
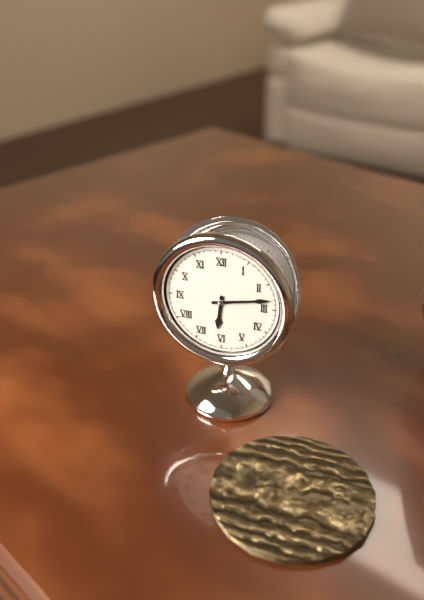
6:13
